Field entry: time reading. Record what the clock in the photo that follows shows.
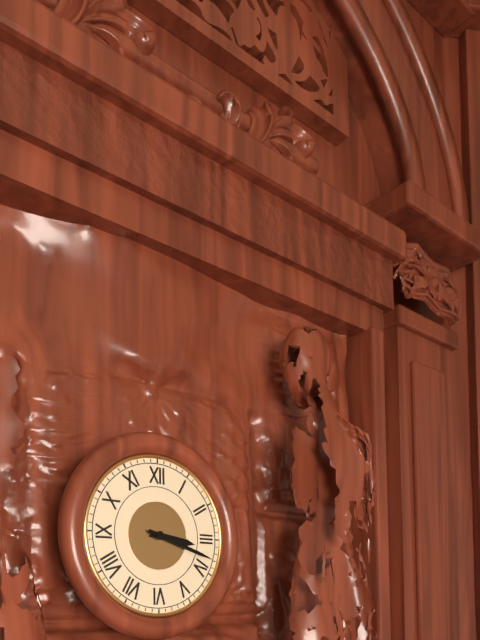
3:18
